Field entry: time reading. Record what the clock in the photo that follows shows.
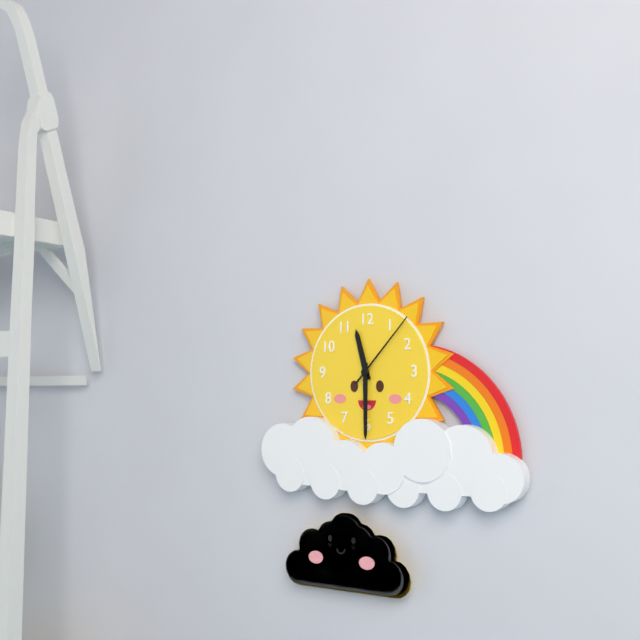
11:30:07
